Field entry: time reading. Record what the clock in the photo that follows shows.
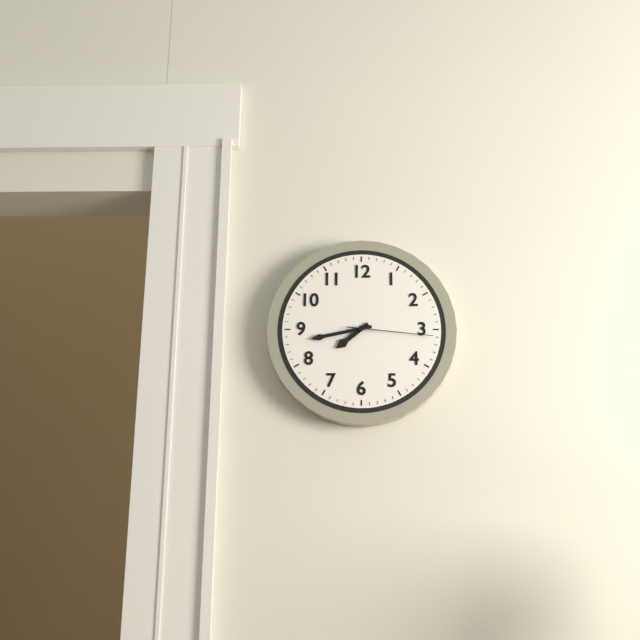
7:43:16
